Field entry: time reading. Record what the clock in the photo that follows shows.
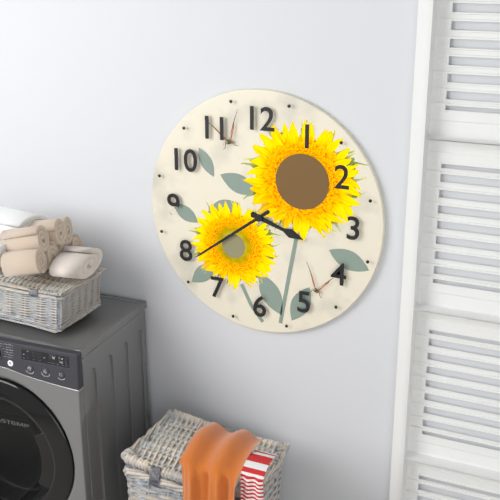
3:39
